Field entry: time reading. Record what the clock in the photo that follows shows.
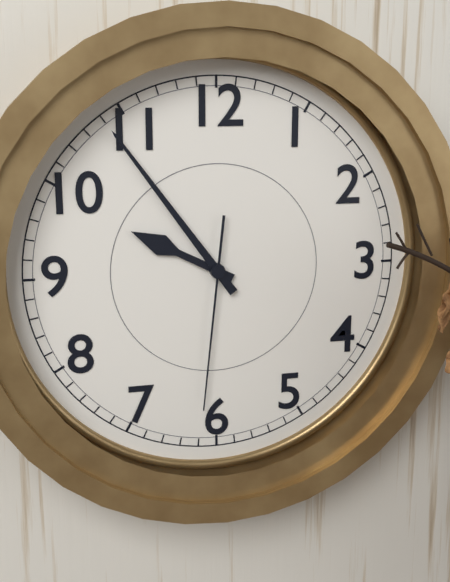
9:54:31
